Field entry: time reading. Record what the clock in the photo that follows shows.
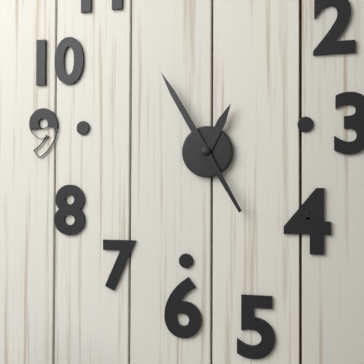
12:55
